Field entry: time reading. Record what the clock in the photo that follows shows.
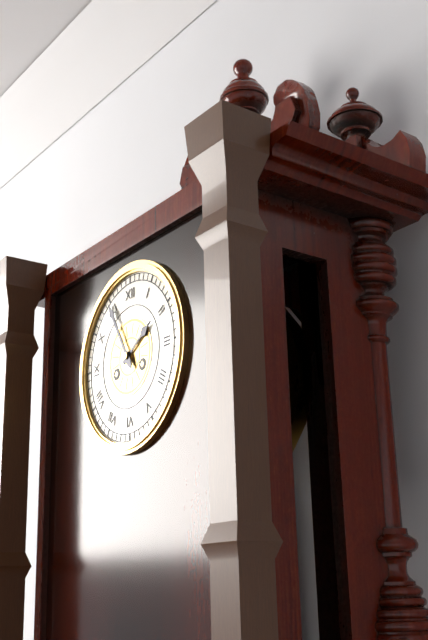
1:55
